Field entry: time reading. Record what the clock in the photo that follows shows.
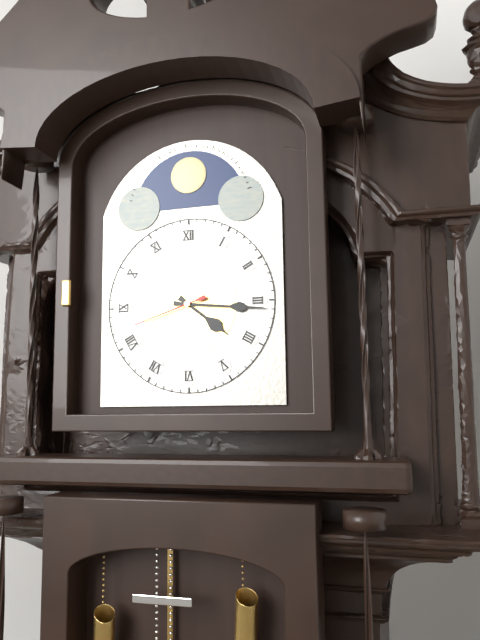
4:16:42
